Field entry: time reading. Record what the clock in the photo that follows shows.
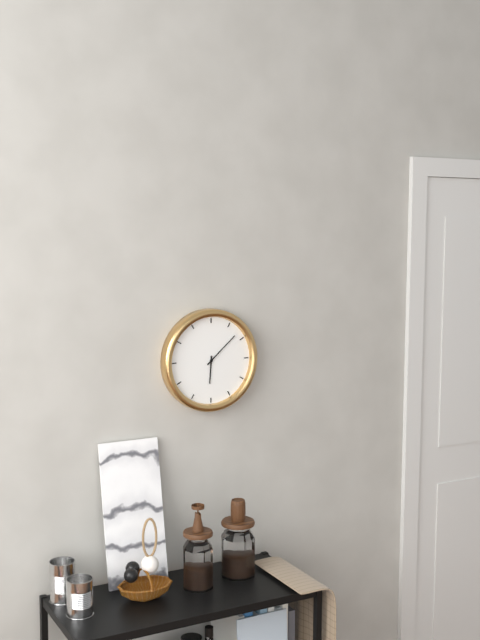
6:08
